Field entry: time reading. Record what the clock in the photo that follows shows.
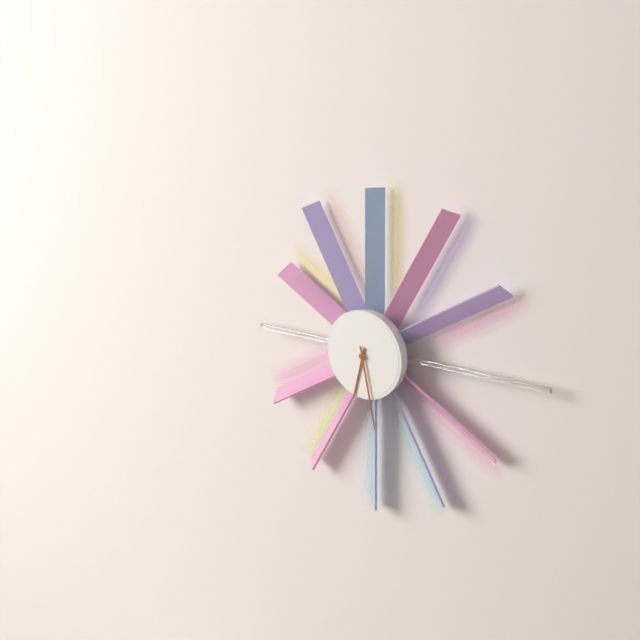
6:28
